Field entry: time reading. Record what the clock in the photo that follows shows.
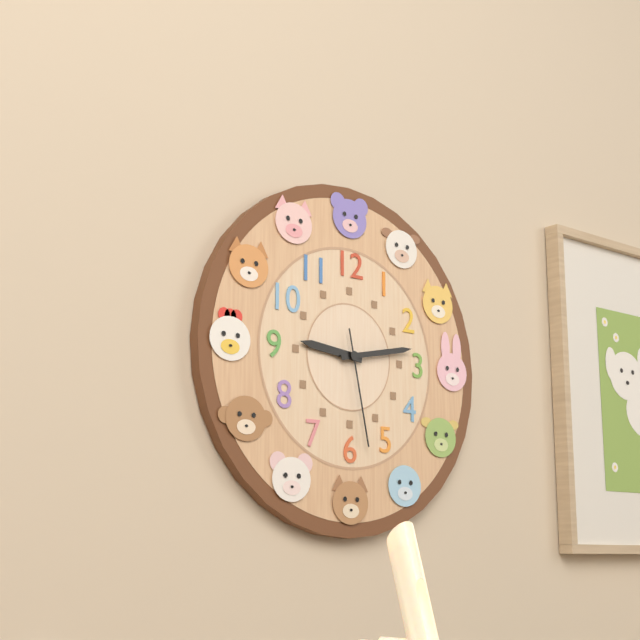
9:13:28
